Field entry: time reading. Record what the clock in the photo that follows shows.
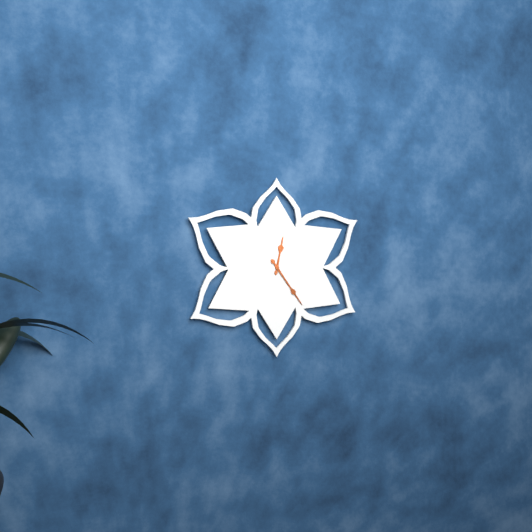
12:24
